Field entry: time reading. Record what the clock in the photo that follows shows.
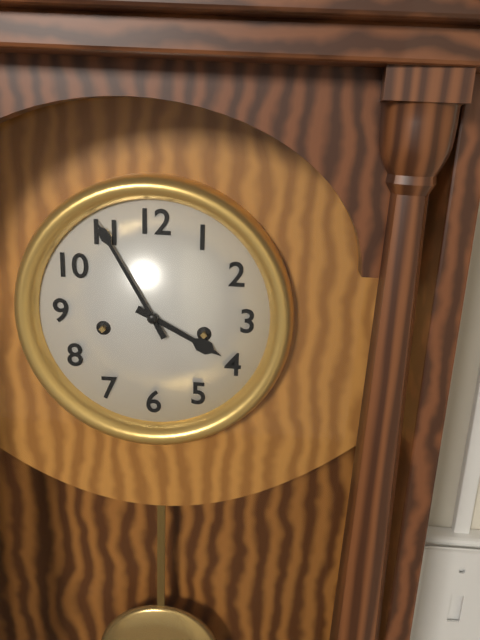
3:55
